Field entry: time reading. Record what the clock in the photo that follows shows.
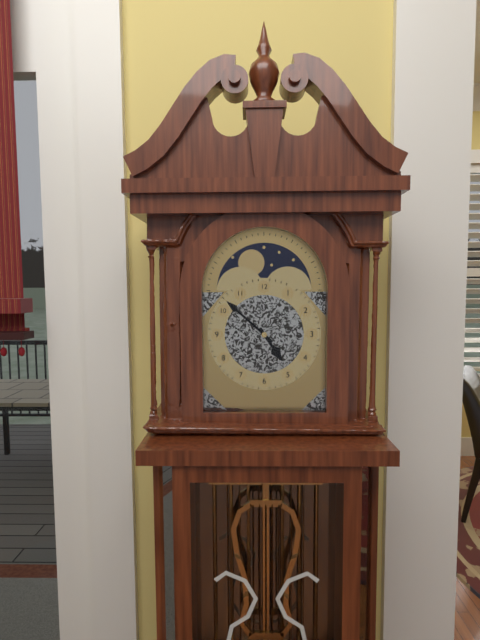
4:52
